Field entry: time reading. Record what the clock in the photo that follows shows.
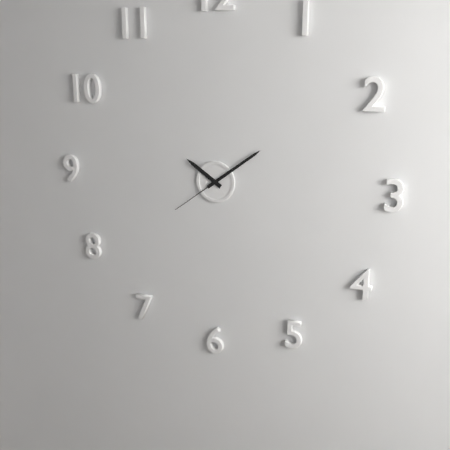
10:09:39
